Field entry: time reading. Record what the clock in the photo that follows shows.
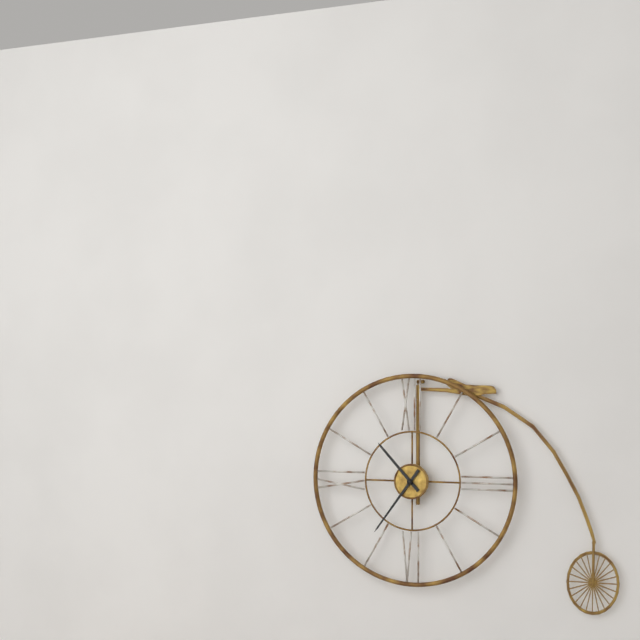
10:36
